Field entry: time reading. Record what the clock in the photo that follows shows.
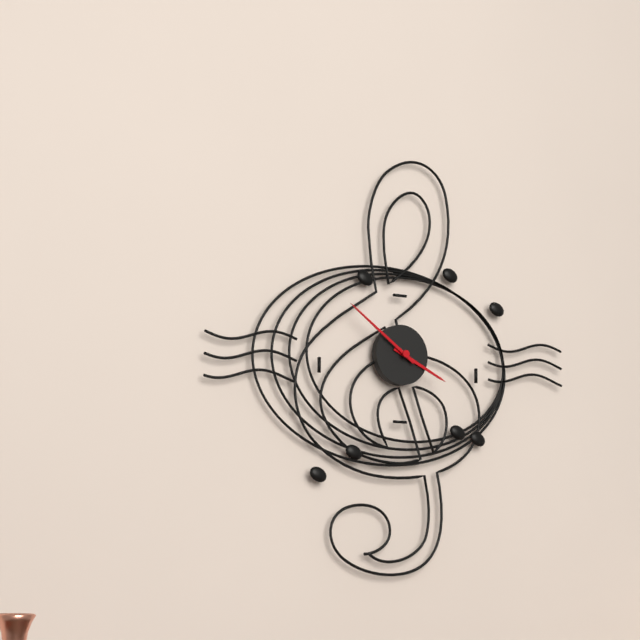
3:51
